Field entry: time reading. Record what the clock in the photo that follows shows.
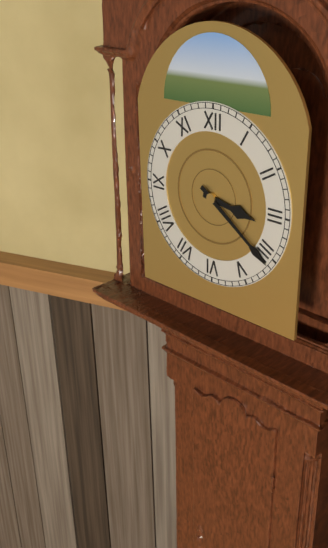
3:21
